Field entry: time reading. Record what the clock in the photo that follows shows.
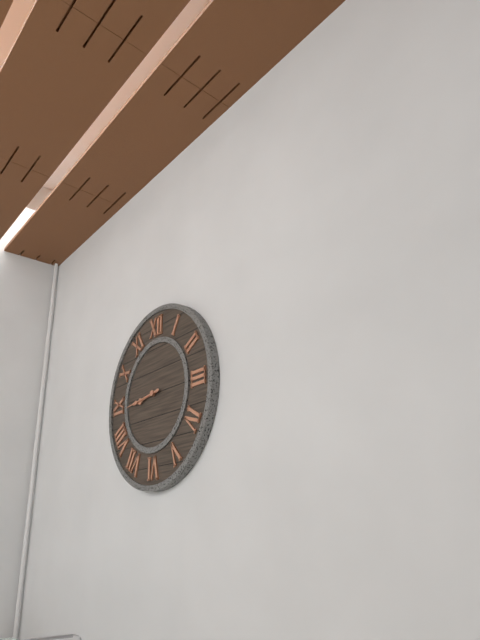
8:44
